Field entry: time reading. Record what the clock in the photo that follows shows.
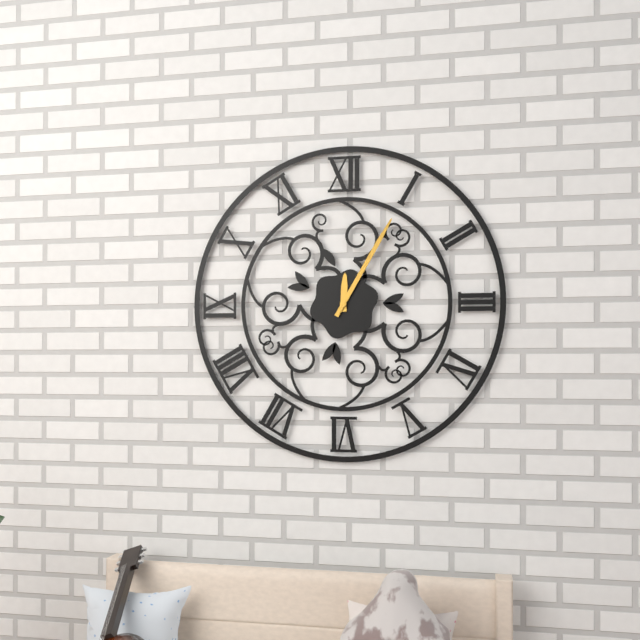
12:05
